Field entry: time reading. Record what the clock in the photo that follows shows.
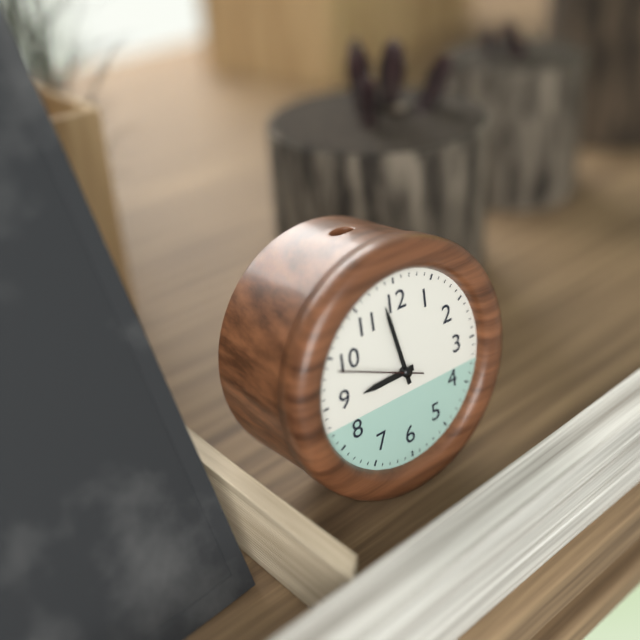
8:58:49
